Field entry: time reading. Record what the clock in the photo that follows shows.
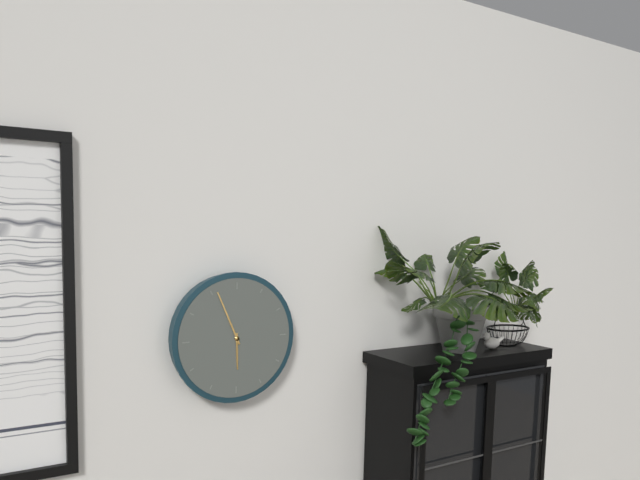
5:56
